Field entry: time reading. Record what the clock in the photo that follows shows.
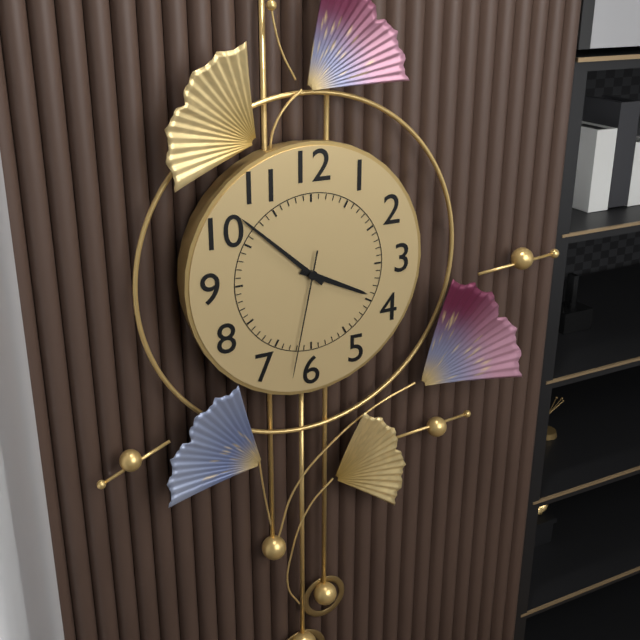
3:52:32
